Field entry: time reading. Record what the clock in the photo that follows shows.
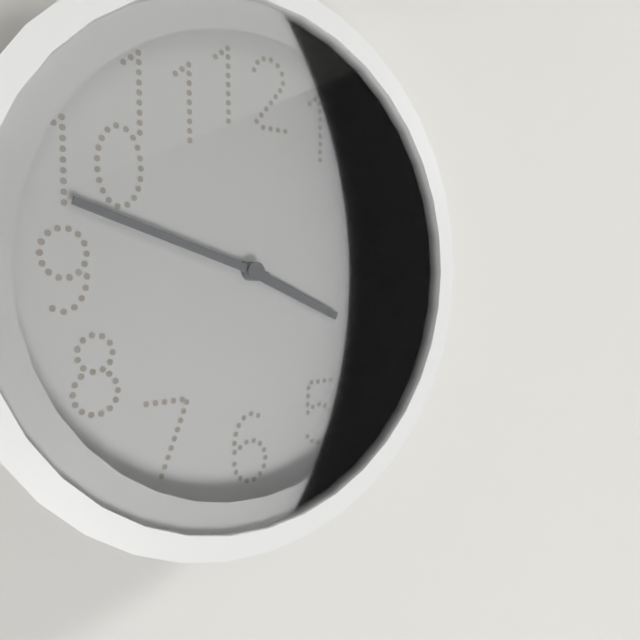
3:48
